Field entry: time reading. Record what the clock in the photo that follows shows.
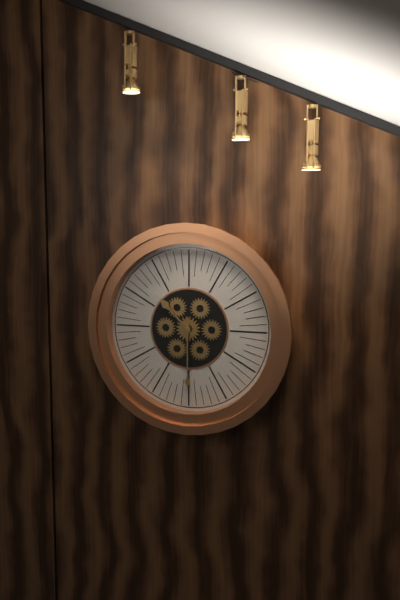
10:30
